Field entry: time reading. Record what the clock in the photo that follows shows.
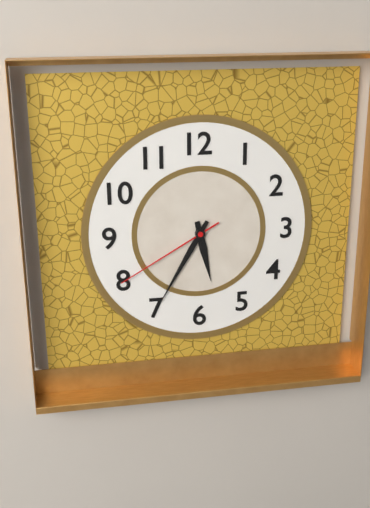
5:35:40
